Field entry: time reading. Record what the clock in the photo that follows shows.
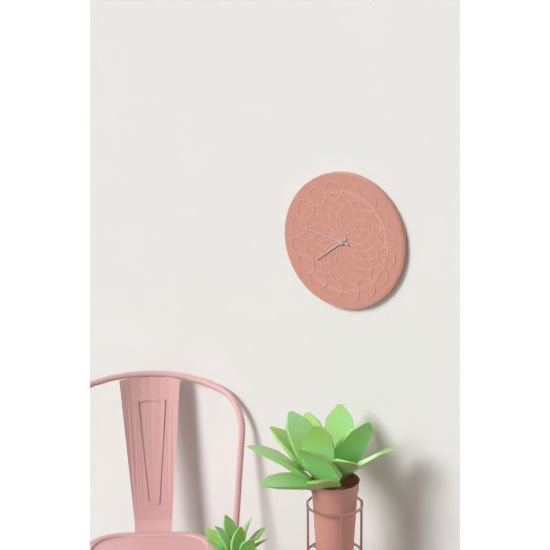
7:47
